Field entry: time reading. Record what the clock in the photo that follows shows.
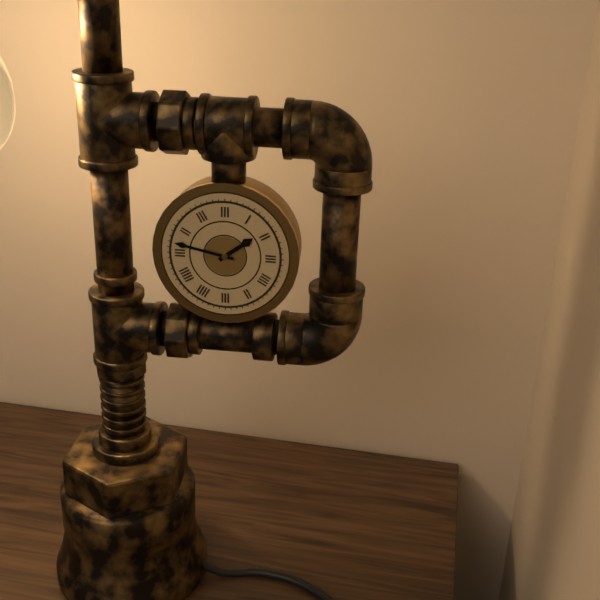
1:47
